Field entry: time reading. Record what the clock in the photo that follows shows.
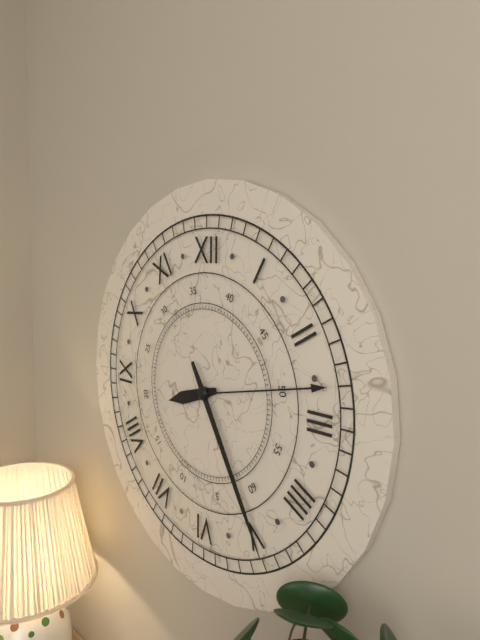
8:25:13
